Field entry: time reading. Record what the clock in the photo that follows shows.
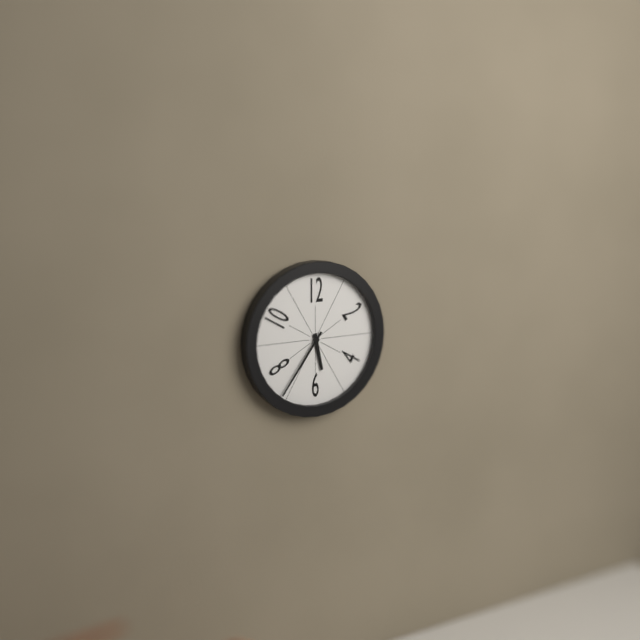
5:36
